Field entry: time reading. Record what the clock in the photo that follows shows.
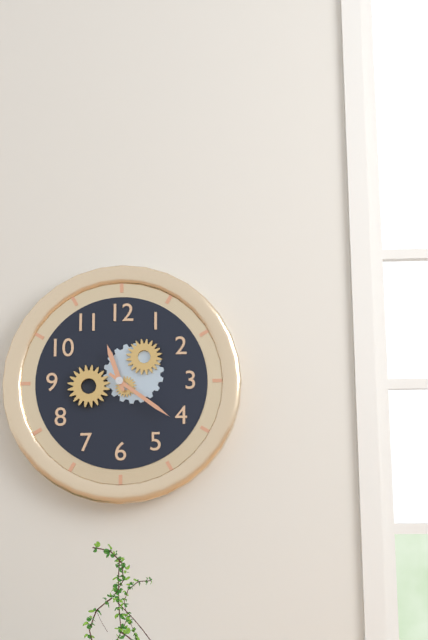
11:21
